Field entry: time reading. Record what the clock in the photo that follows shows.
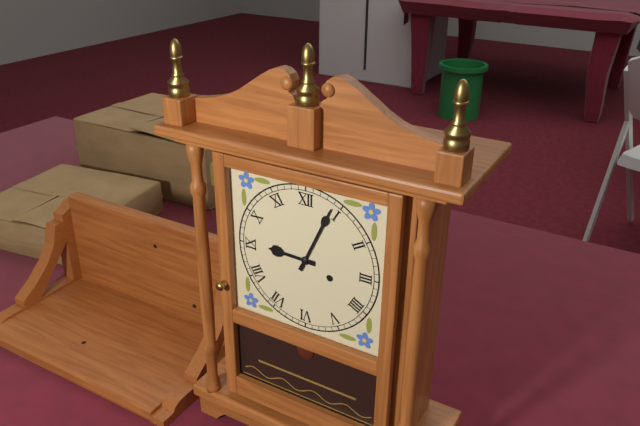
9:04
